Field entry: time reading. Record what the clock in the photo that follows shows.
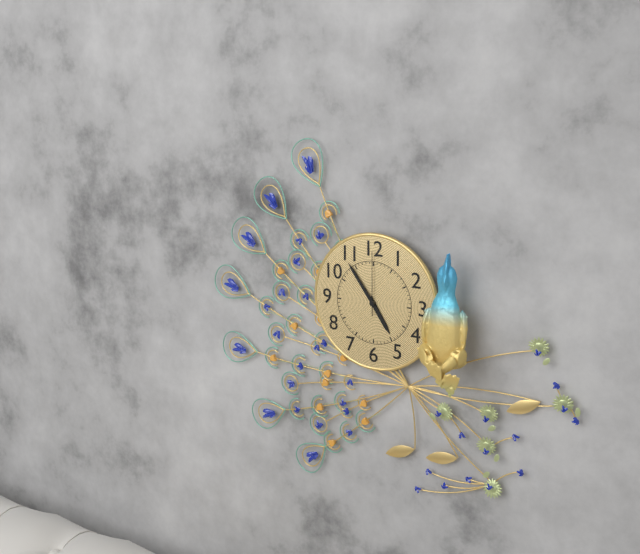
4:54:00
